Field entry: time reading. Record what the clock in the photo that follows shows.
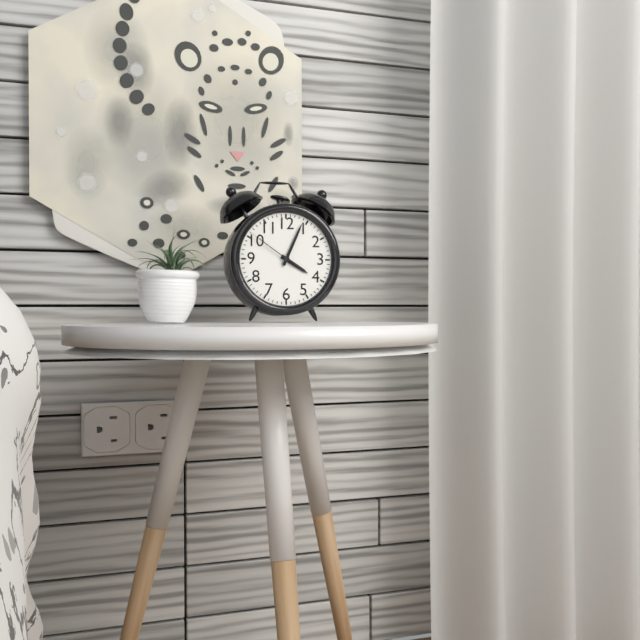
4:04:51
